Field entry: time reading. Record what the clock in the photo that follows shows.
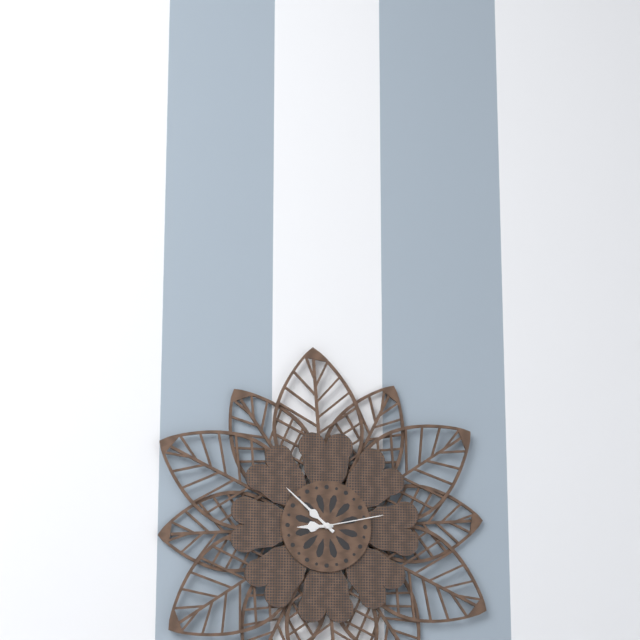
8:52:13
